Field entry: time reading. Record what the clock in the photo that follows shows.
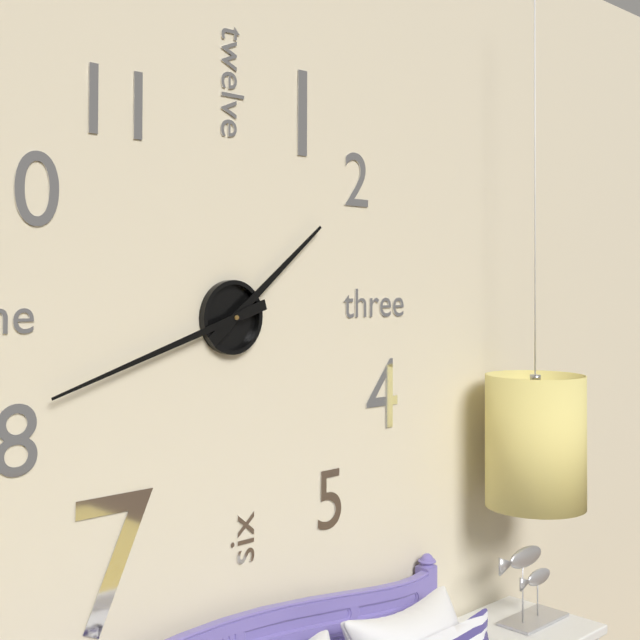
1:42
